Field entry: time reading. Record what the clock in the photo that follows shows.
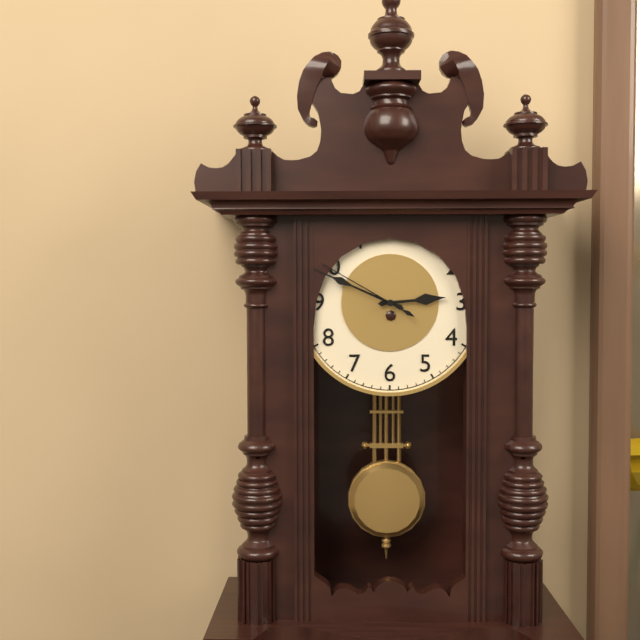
2:49:50
